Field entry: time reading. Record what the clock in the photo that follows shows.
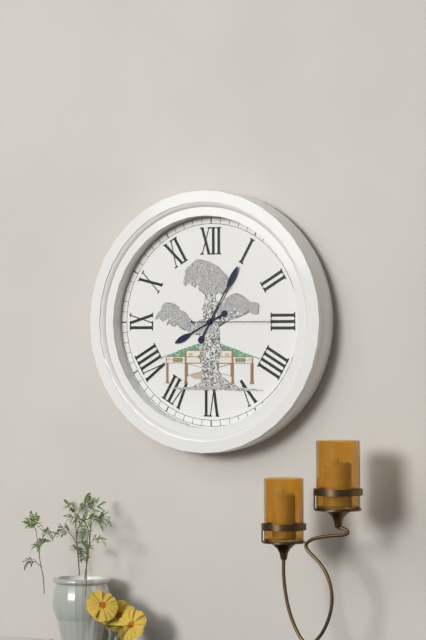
8:05:15
